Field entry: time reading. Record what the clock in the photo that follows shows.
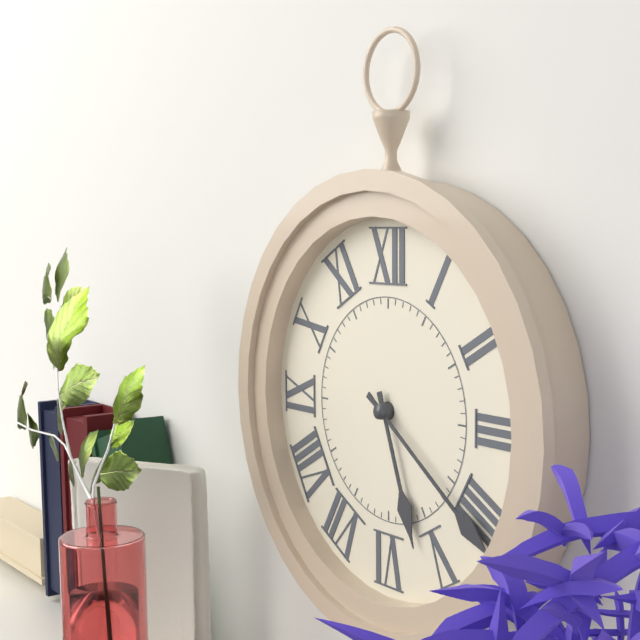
5:21
